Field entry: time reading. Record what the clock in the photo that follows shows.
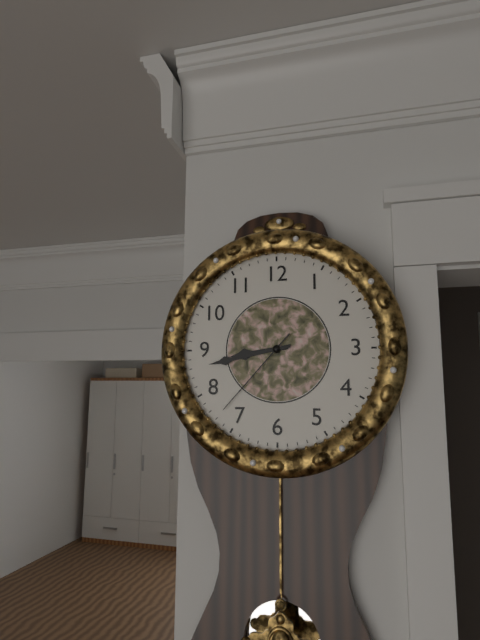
8:43:37
